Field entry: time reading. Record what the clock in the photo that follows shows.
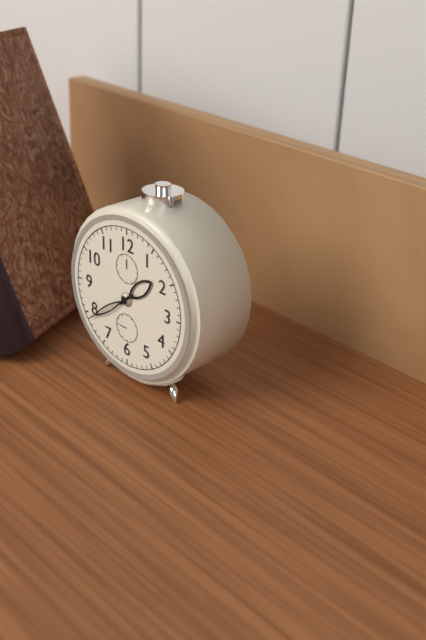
1:39
